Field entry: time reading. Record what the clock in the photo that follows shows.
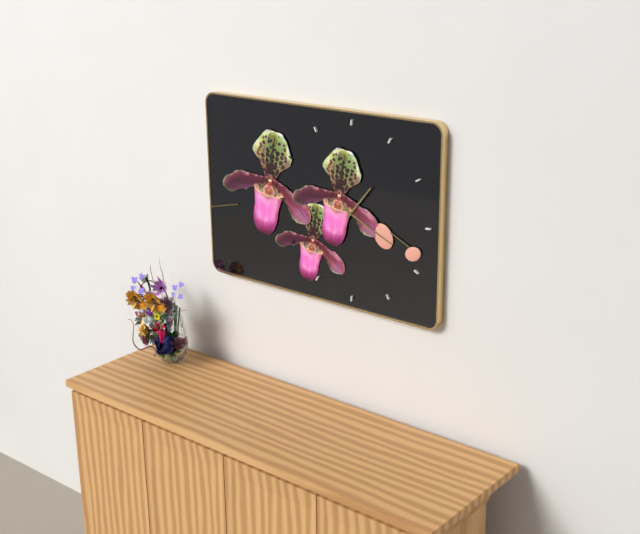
1:19
